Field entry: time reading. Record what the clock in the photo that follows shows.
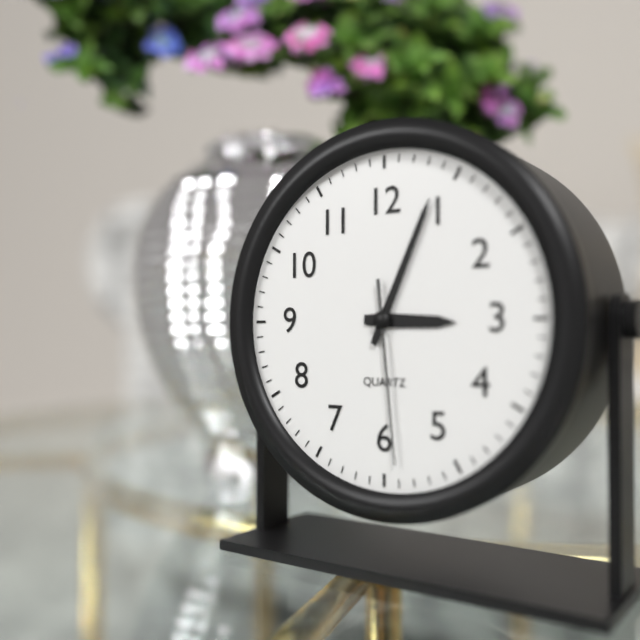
3:04:29
